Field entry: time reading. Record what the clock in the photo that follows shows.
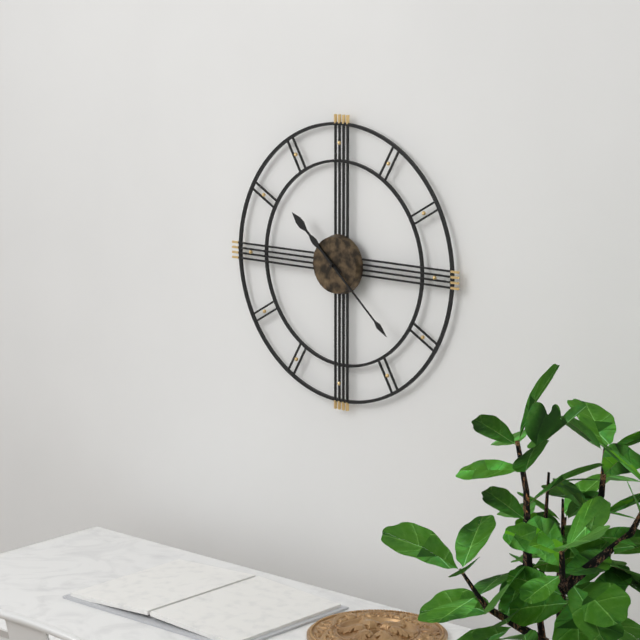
10:22
